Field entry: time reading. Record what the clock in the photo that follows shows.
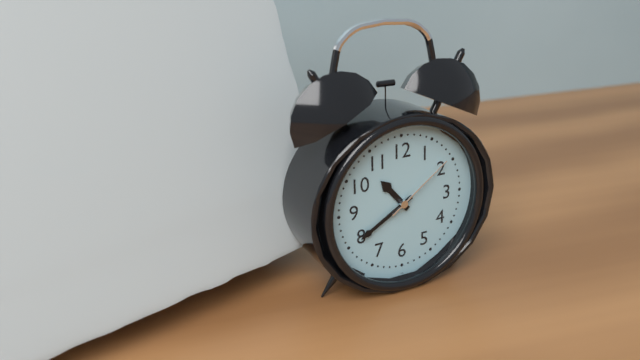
10:40:09
